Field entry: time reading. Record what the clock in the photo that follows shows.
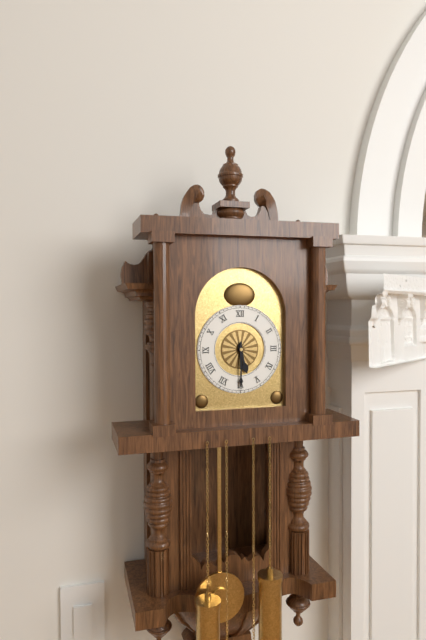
5:30
